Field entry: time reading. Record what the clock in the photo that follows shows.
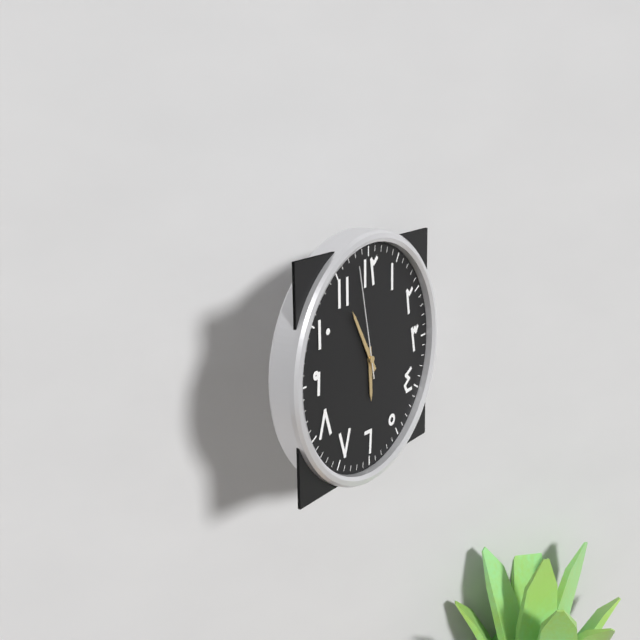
5:55:58
